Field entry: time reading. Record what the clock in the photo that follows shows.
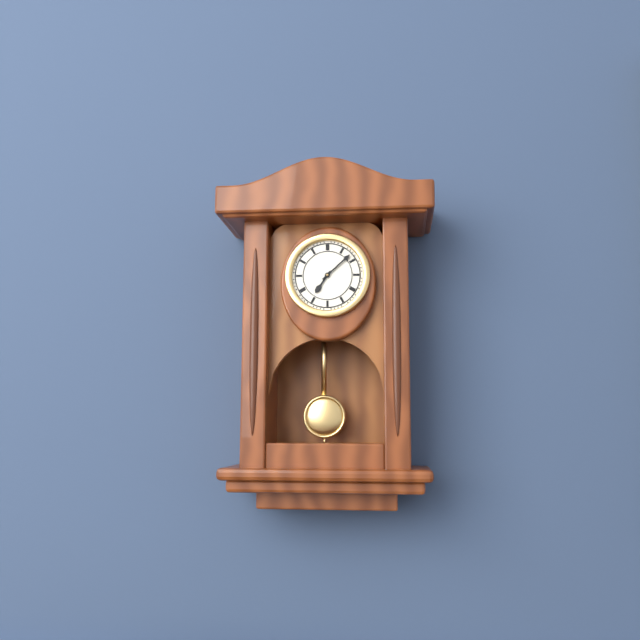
7:08
